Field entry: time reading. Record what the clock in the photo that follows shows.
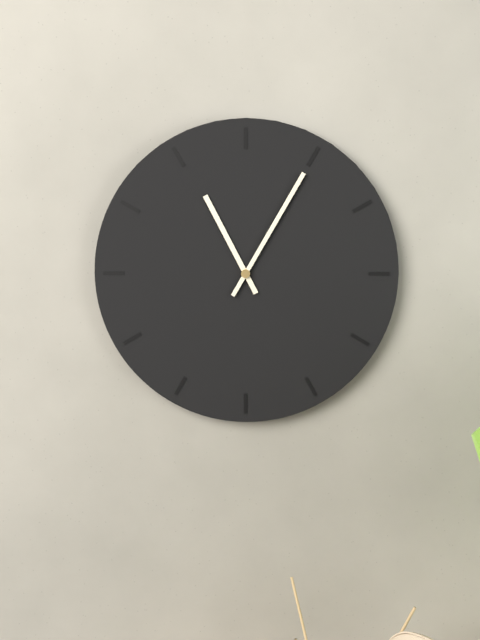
11:05
